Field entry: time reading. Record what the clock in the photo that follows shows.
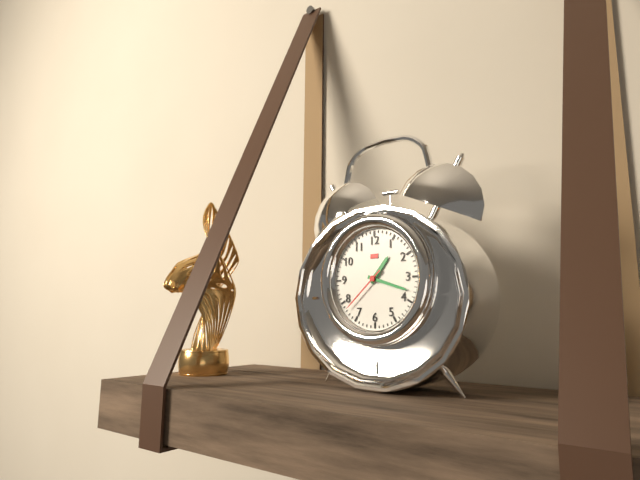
1:18
